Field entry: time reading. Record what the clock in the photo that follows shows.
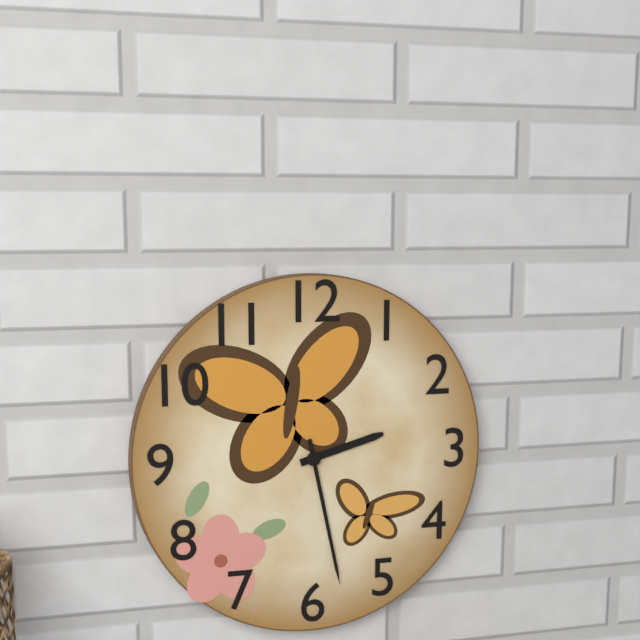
2:28
